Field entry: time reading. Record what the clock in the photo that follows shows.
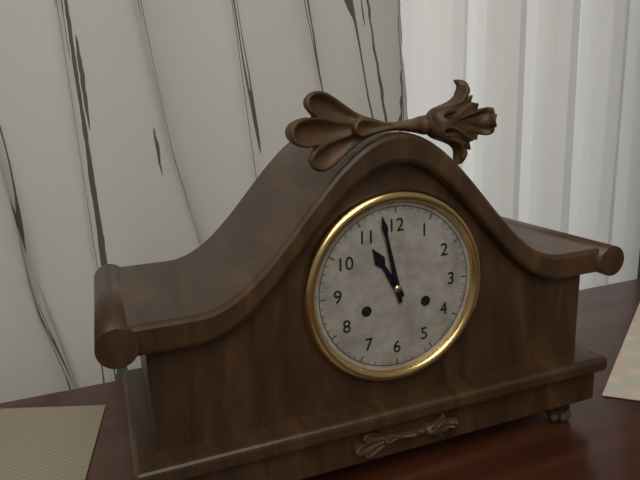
10:58
